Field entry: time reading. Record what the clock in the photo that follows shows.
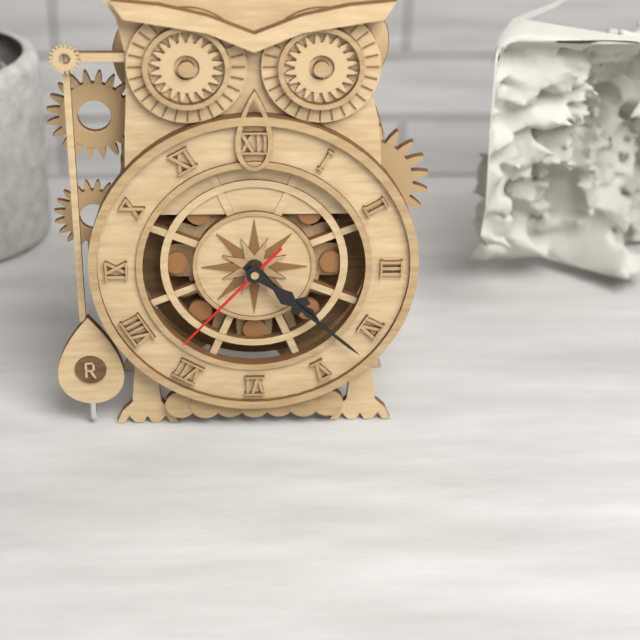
4:22:37
